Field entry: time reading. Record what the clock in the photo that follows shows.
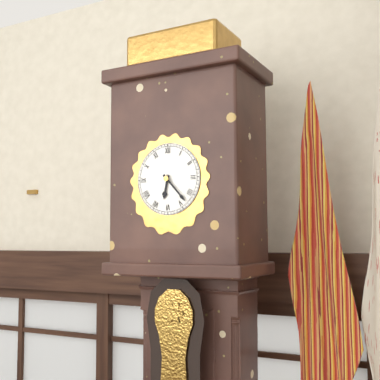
6:23
